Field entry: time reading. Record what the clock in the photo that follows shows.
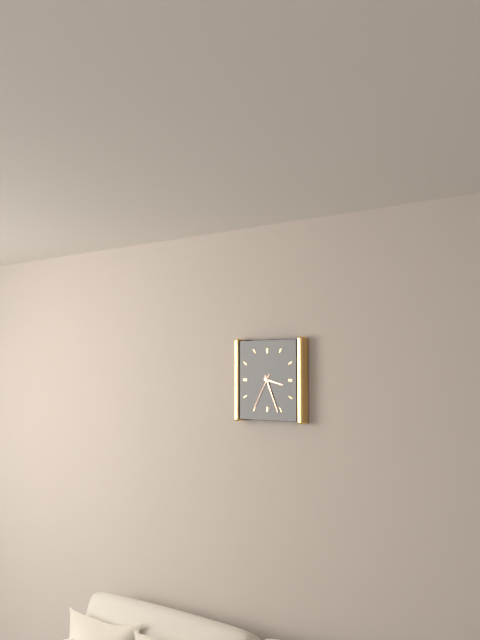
3:26
